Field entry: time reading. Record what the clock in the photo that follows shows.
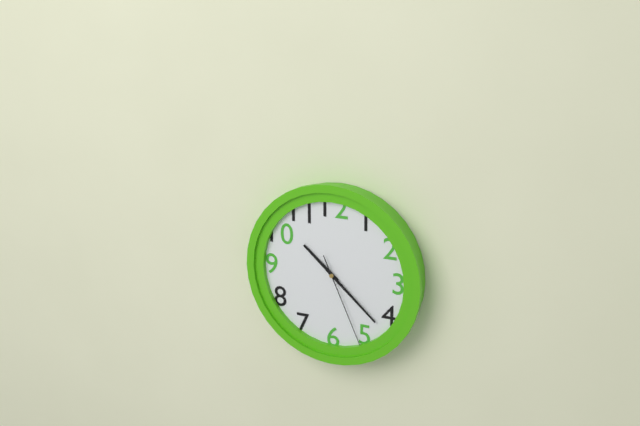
10:22:26
